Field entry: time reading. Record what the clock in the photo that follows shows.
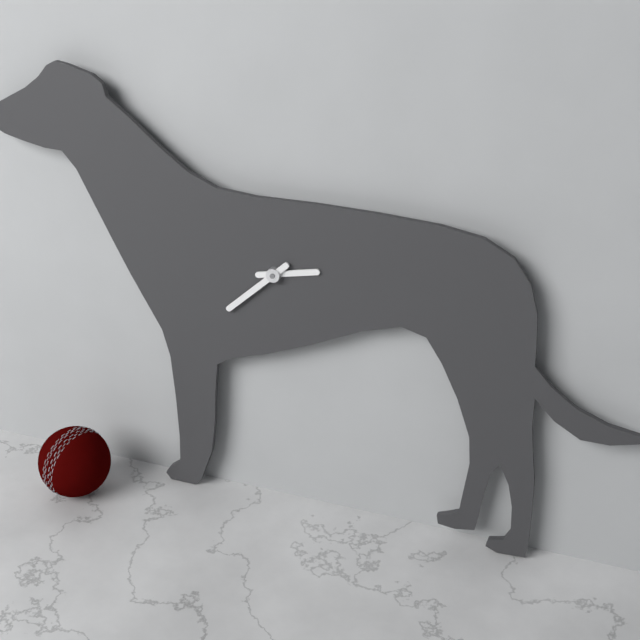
2:38
